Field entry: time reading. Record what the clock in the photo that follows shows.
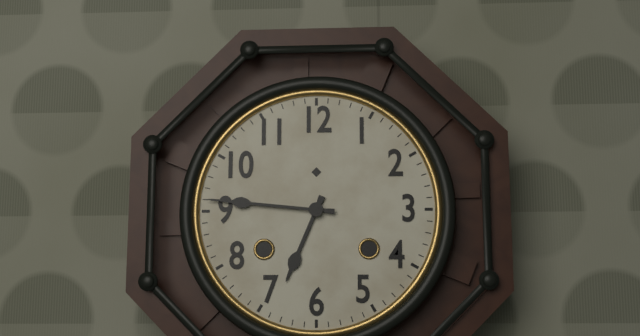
6:46
